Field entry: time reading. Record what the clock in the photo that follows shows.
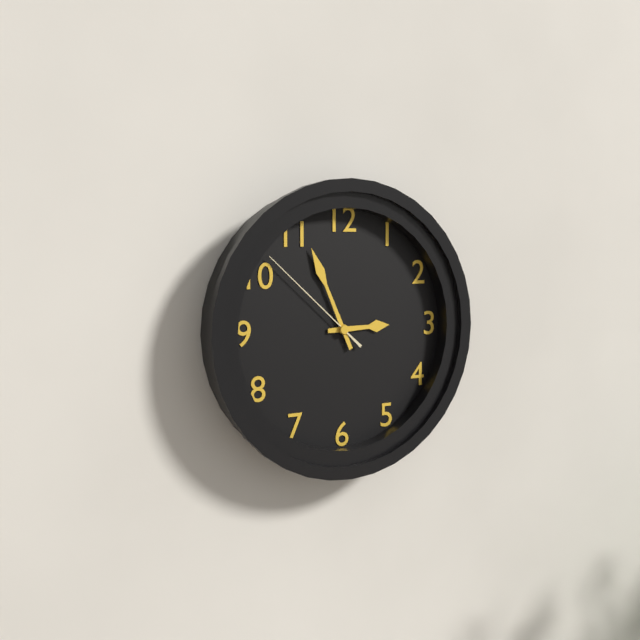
2:56:52
